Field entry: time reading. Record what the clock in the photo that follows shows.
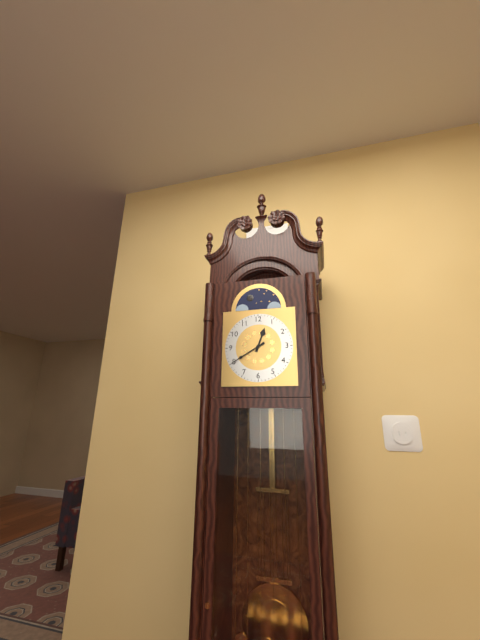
12:40
